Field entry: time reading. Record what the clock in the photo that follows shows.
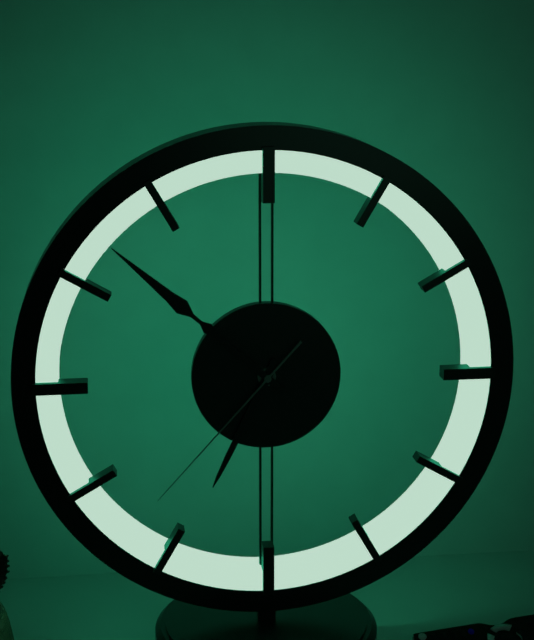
6:52:37
